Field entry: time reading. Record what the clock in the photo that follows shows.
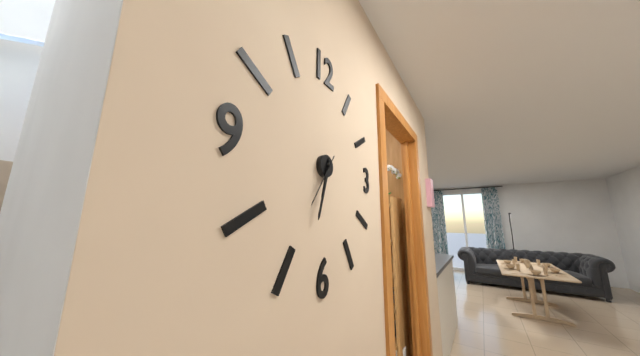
6:33:36
